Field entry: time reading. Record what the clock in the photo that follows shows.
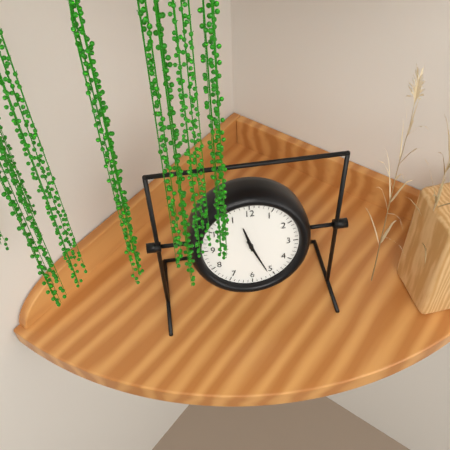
11:26
